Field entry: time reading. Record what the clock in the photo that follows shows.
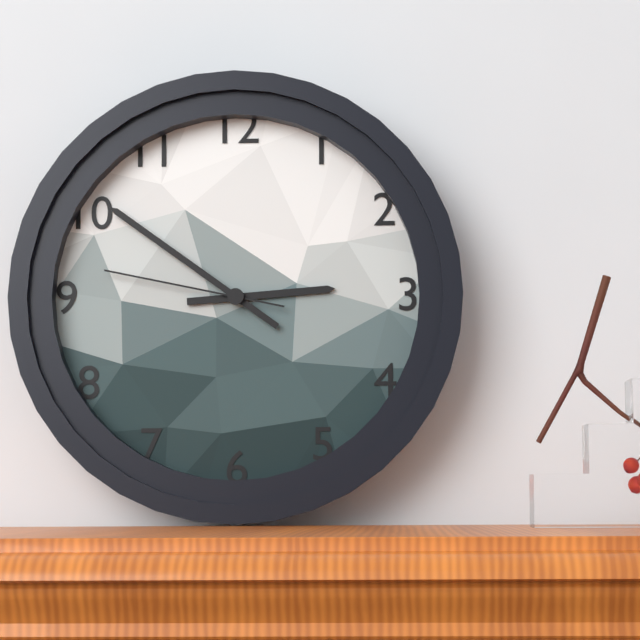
2:51:47
